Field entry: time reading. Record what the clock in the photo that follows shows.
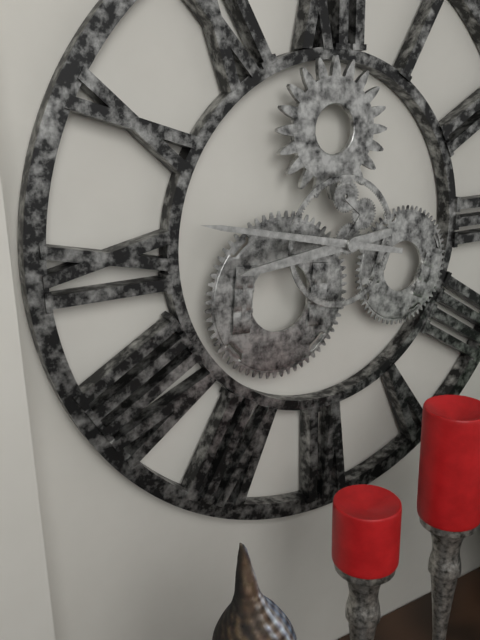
8:47
